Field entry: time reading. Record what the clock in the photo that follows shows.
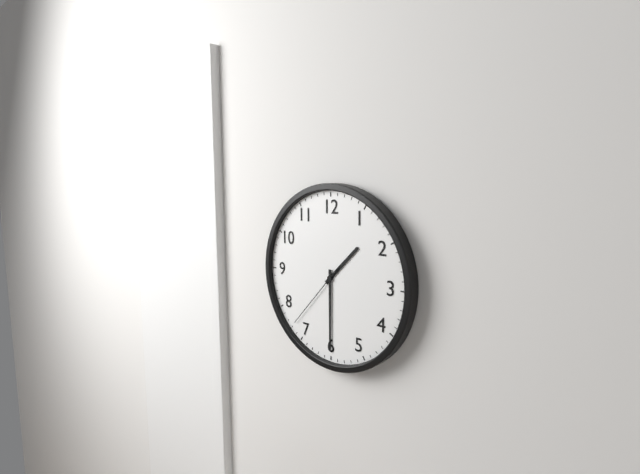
1:30:37
